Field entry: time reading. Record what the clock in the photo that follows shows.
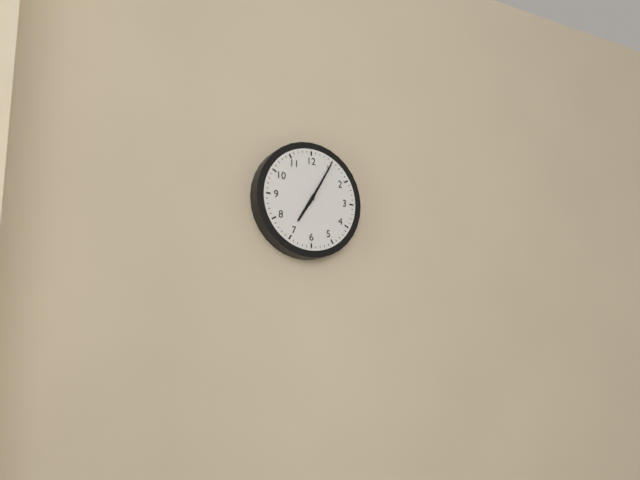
7:05
